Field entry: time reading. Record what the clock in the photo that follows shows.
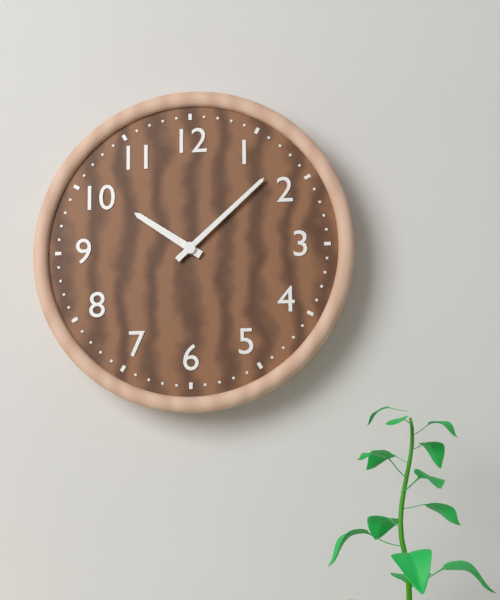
10:08
